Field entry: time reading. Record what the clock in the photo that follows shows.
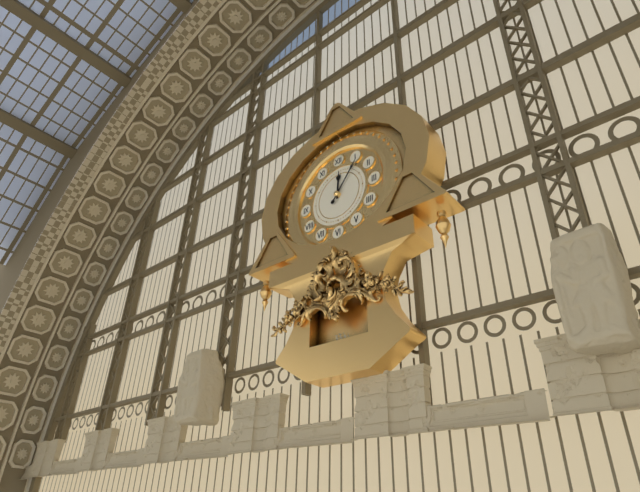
12:06
